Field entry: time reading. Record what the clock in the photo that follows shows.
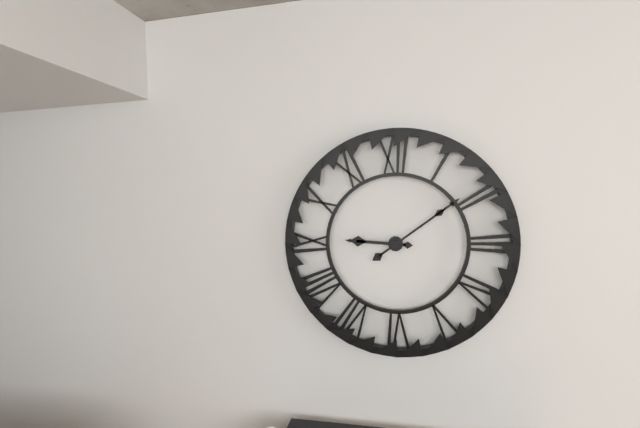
9:09
